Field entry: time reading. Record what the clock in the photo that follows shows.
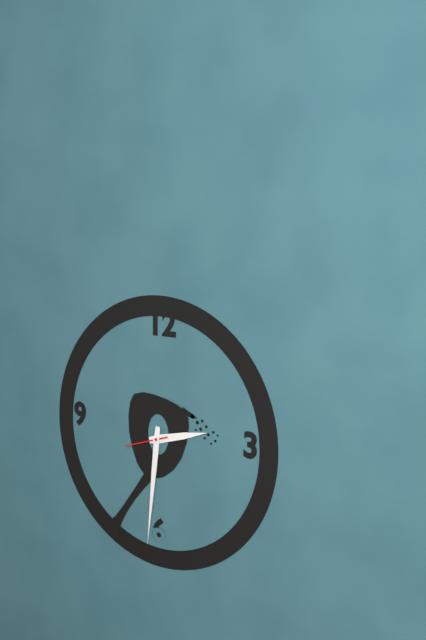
2:31
